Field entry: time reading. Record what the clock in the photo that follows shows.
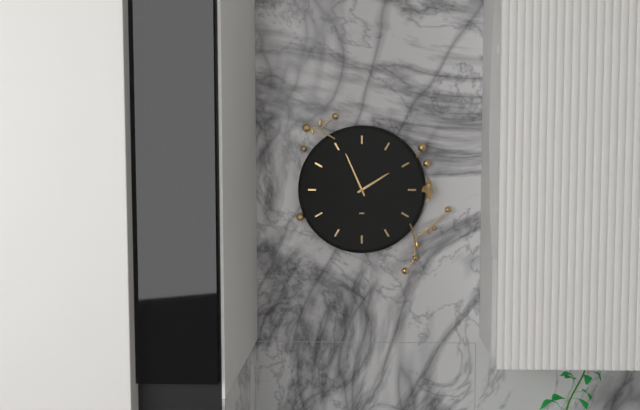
1:56
